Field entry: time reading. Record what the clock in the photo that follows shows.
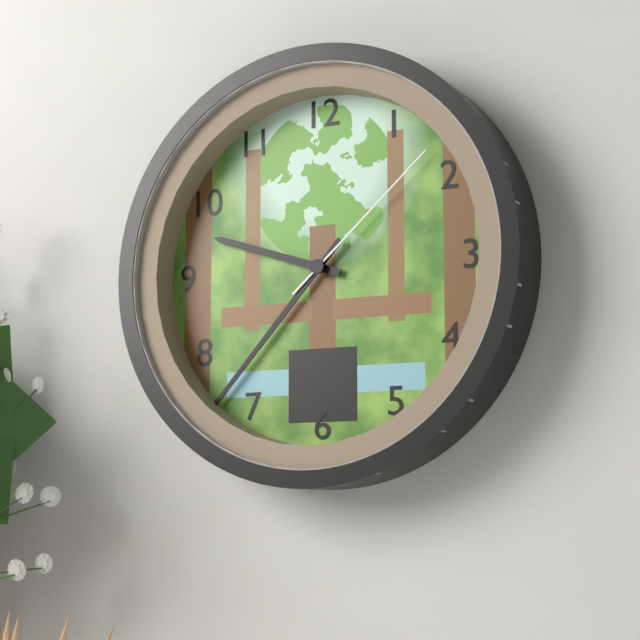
9:37:08
